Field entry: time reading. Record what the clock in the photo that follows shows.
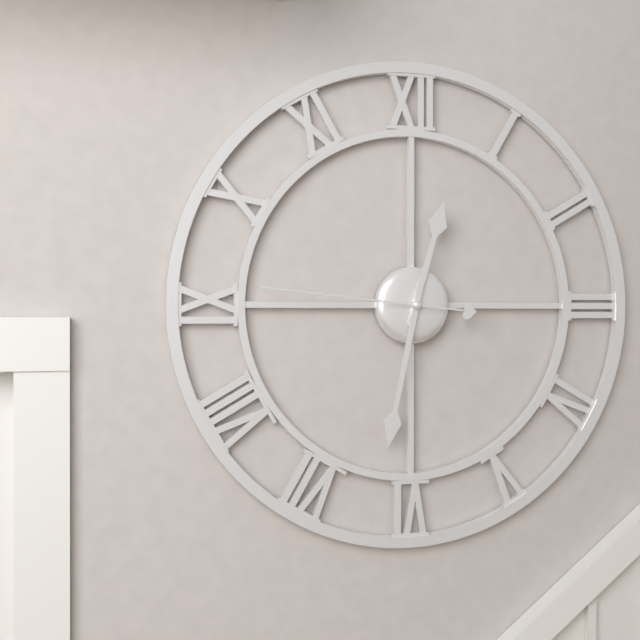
12:32:46
